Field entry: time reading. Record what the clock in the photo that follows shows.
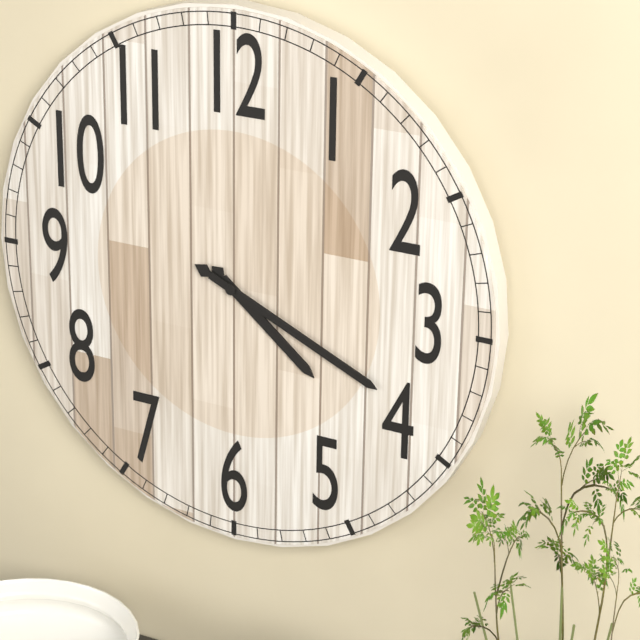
4:19
